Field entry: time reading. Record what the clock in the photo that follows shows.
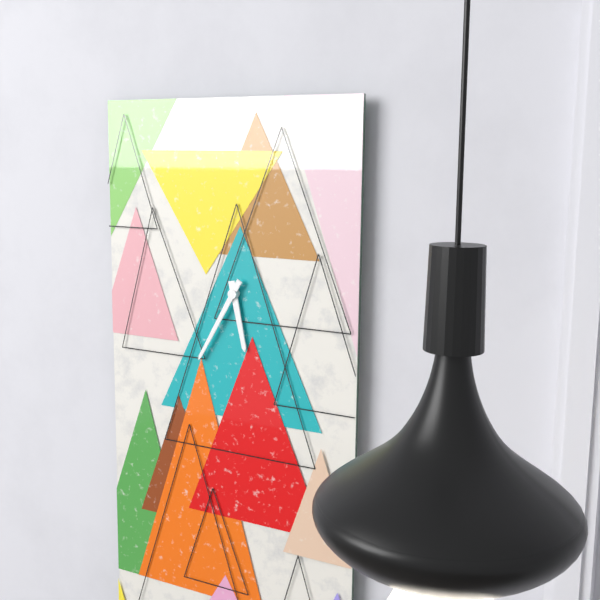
5:35
